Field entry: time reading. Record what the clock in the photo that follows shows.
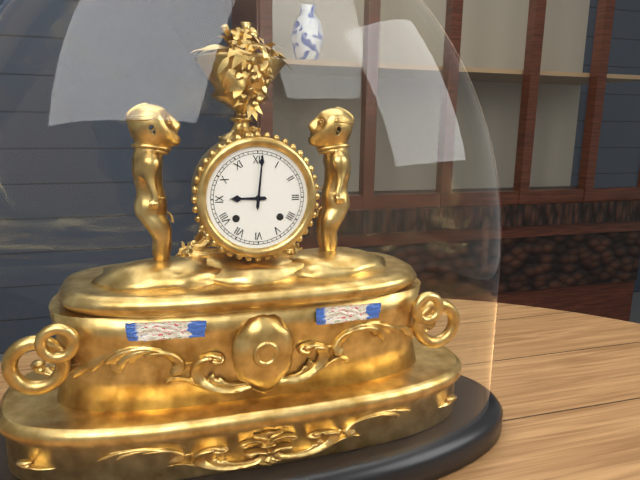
9:01
